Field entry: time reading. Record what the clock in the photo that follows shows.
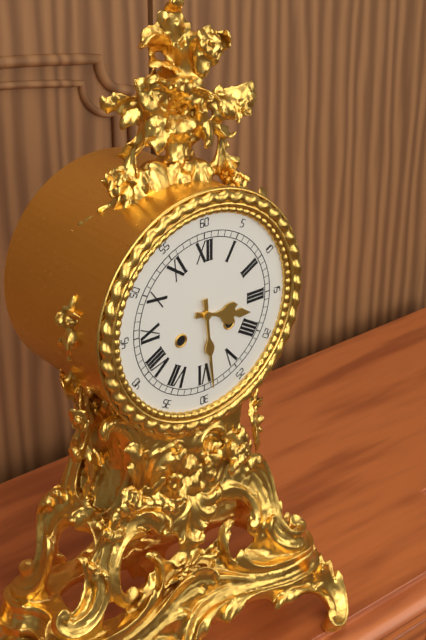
3:29
